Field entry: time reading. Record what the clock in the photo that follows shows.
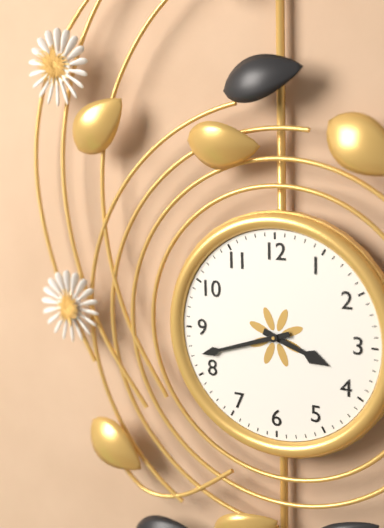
3:42
